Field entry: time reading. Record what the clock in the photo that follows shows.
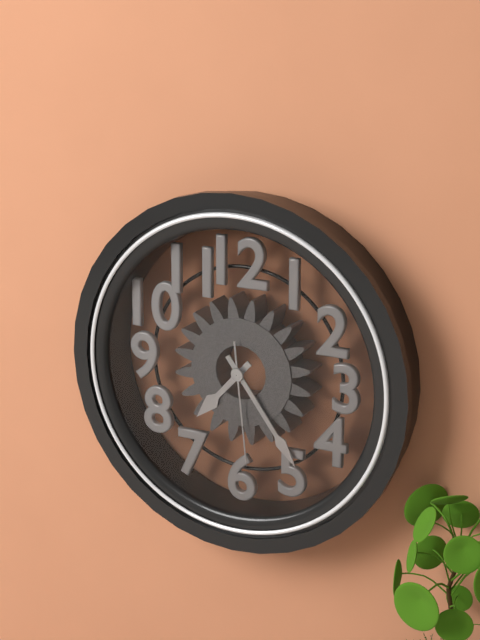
7:24:29
